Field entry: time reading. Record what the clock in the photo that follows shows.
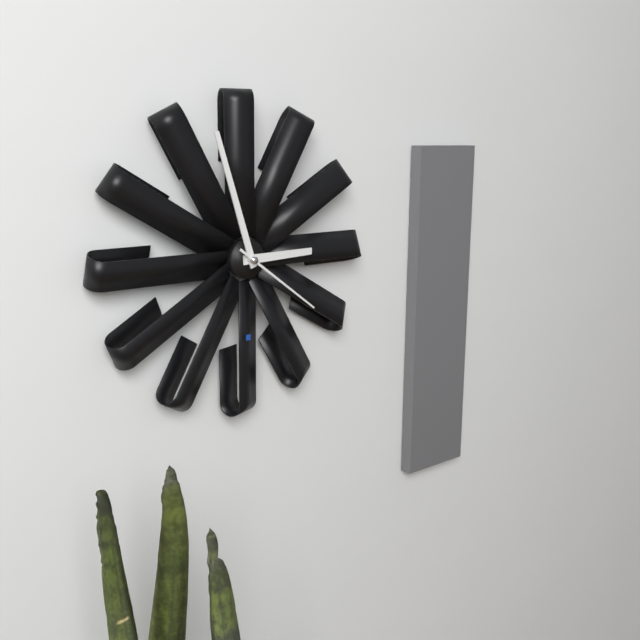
2:57:21
